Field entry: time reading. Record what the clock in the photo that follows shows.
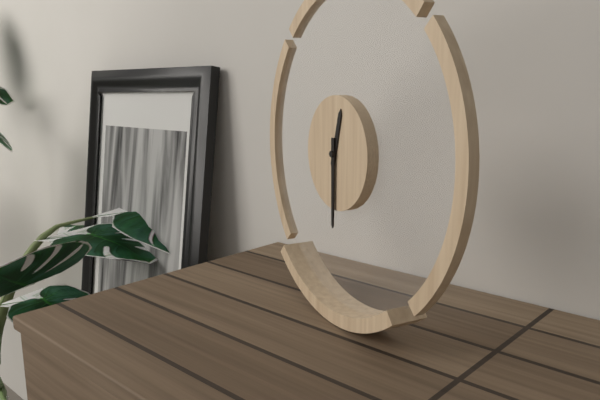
12:30
